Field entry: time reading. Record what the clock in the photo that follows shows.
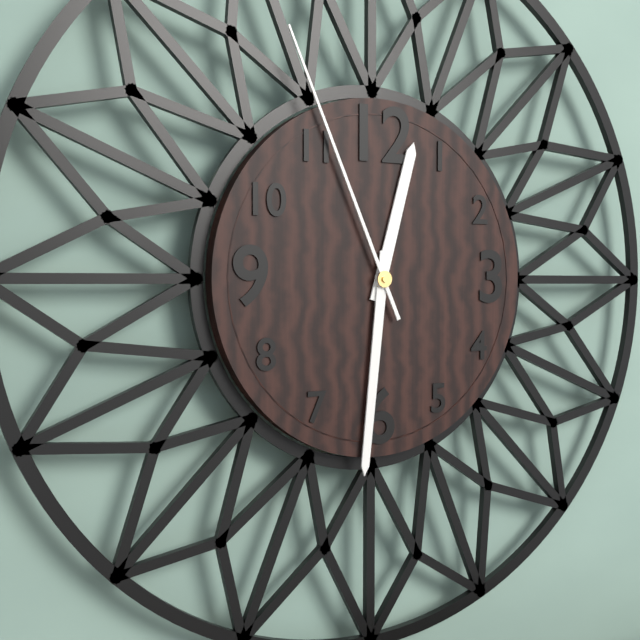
12:31:56
